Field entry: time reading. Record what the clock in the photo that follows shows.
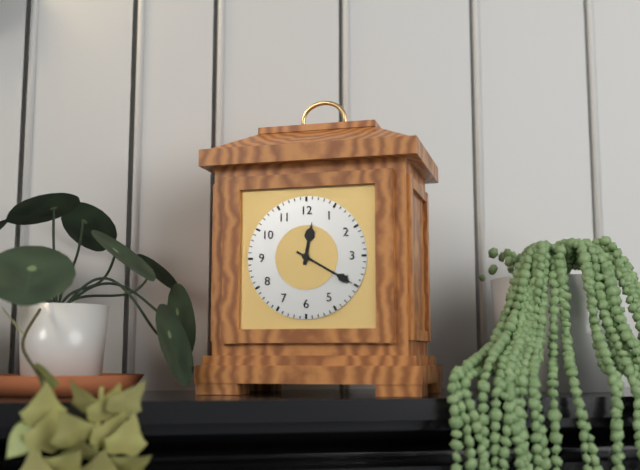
12:20
